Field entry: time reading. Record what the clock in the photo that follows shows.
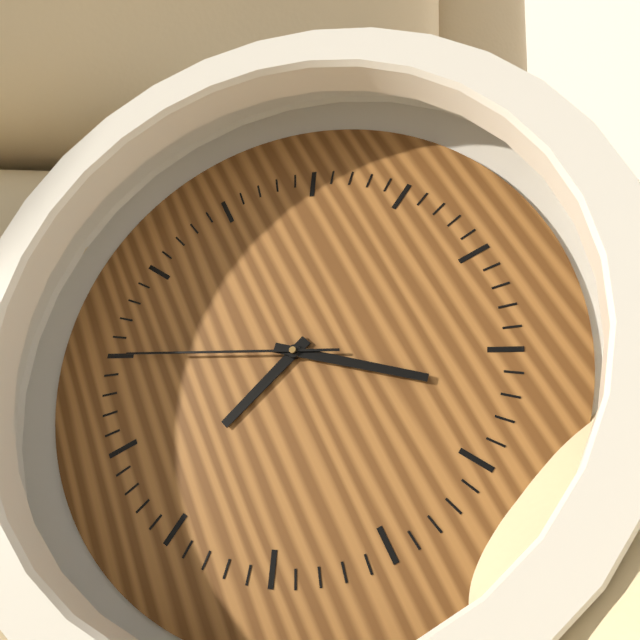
8:22:50
